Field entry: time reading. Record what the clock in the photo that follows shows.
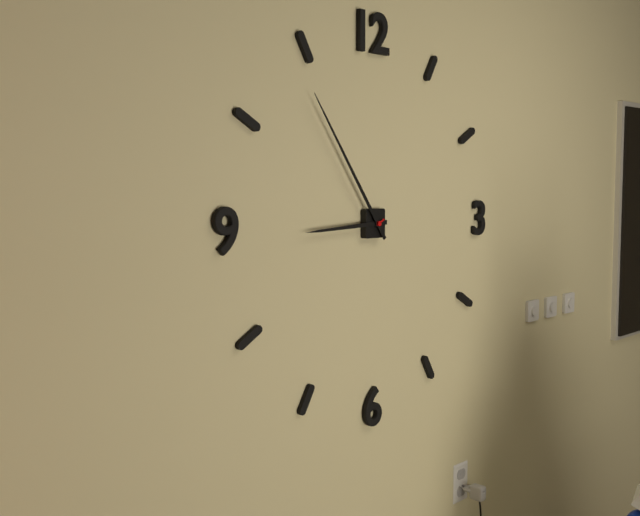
8:54
